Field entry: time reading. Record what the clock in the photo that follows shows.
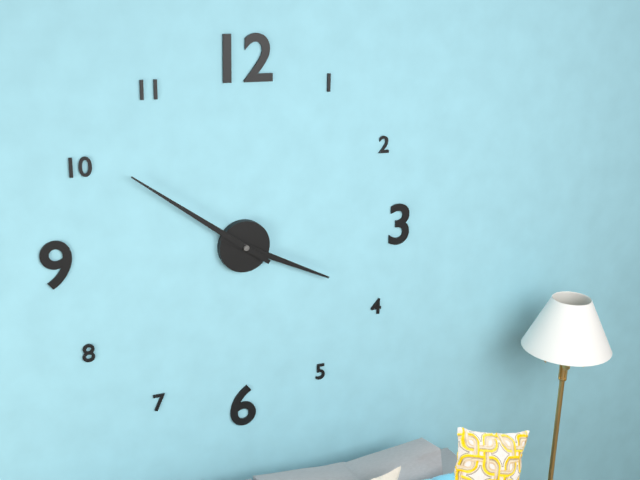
3:51
